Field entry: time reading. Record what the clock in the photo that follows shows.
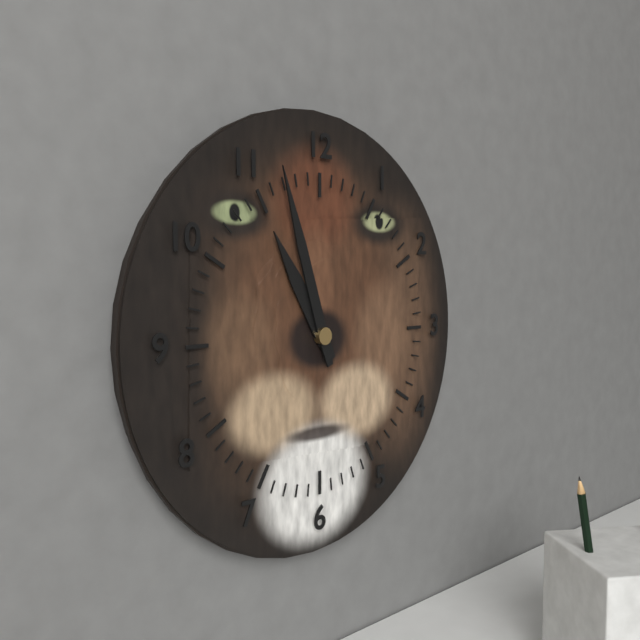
10:57
